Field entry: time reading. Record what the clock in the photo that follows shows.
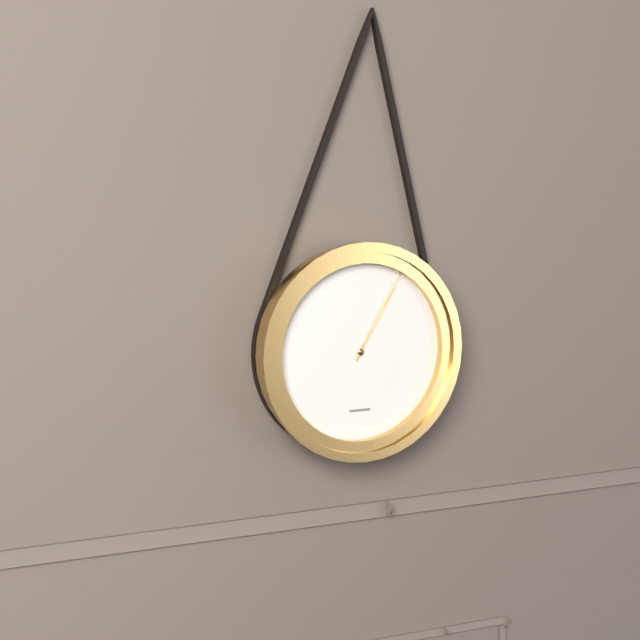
1:05
